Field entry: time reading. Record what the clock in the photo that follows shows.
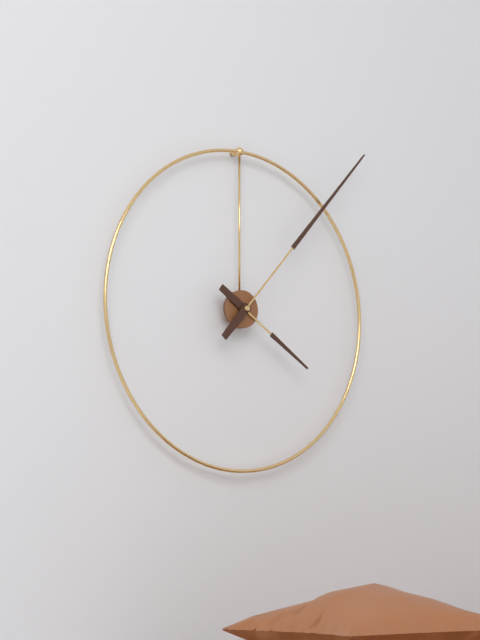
4:07
